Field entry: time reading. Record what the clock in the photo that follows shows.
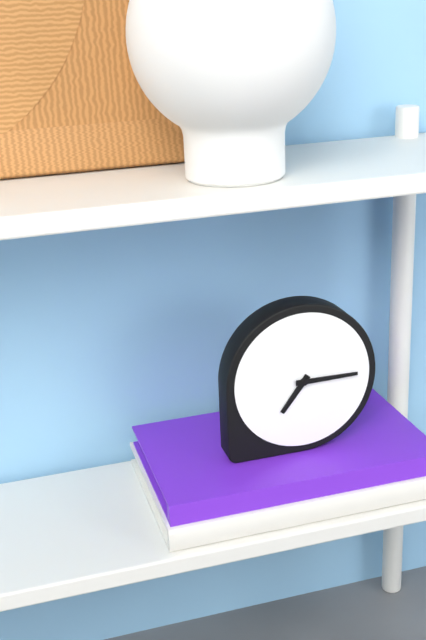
7:15
